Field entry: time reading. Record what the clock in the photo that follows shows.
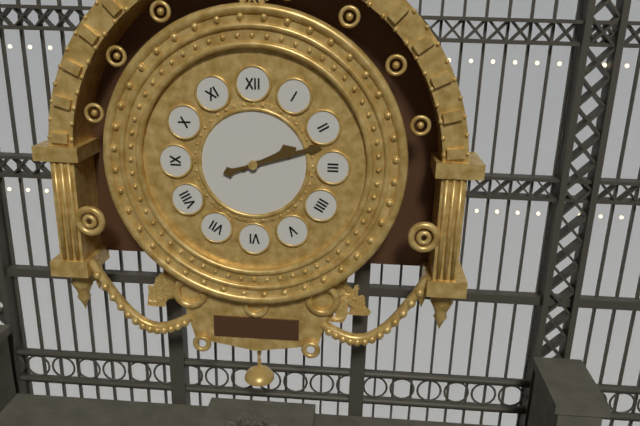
2:12
